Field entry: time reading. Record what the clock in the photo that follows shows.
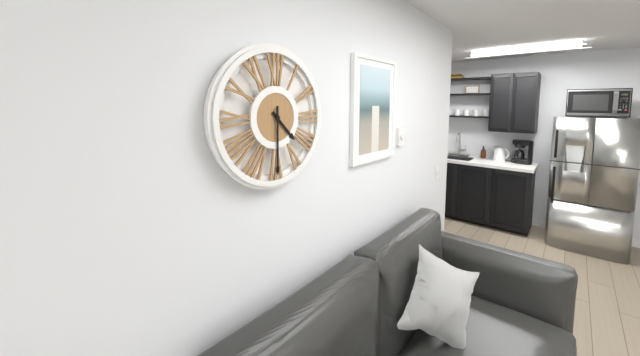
4:30
